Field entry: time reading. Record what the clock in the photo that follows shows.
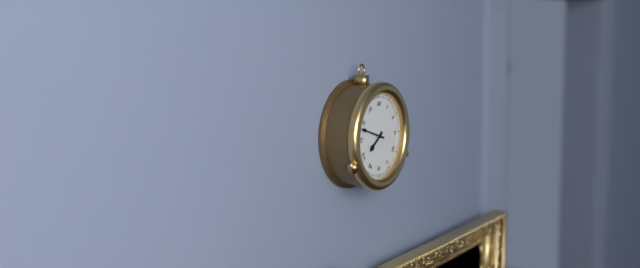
7:48
